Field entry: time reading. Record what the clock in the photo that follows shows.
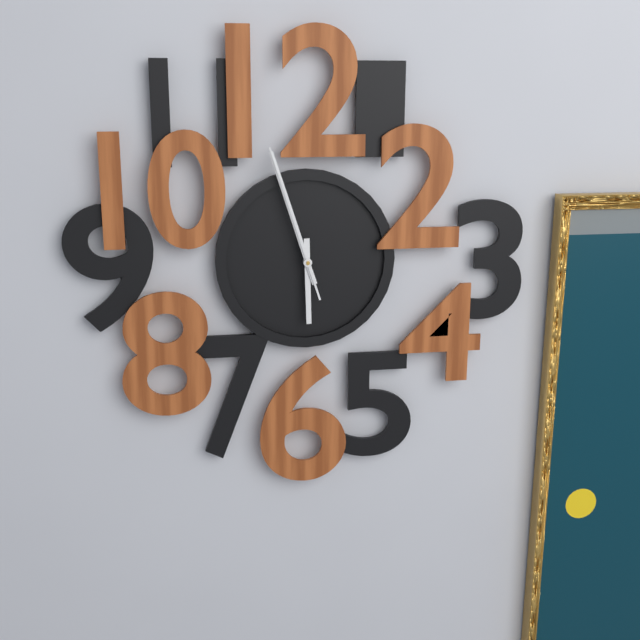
5:57:57
